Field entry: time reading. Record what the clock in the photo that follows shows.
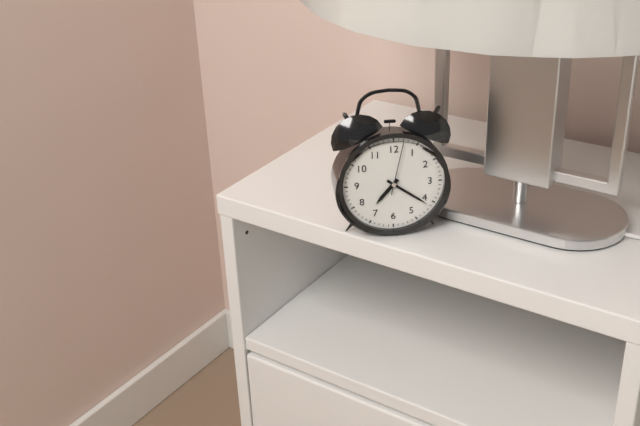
7:21:02
